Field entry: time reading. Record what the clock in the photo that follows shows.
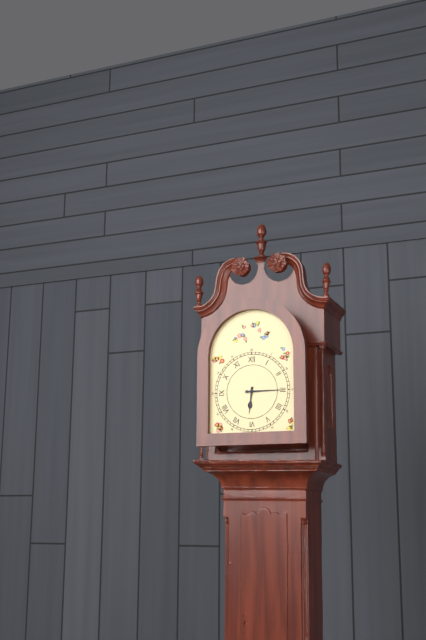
6:15
